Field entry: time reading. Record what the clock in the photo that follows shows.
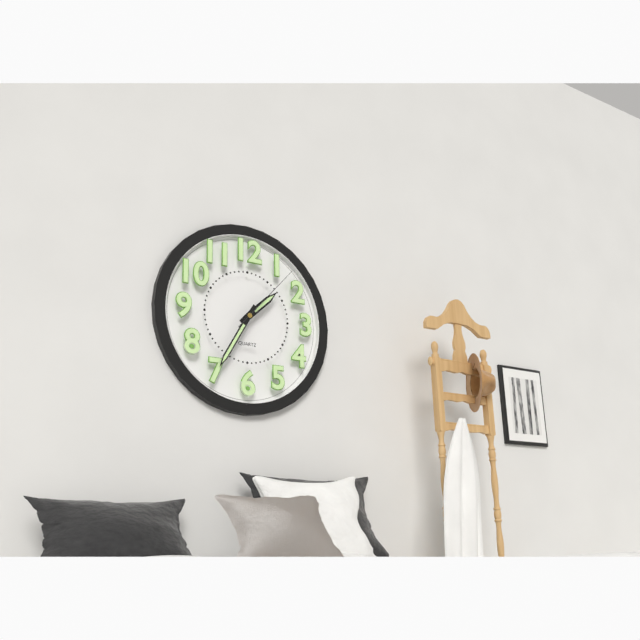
1:35:07
